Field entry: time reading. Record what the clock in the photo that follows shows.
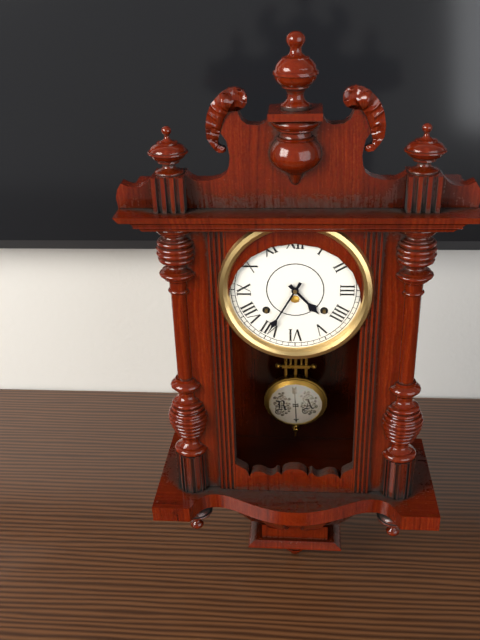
4:35
